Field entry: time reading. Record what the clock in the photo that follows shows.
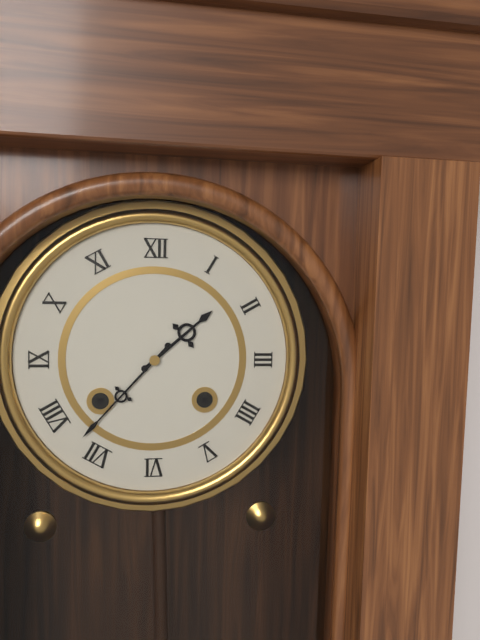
1:37
